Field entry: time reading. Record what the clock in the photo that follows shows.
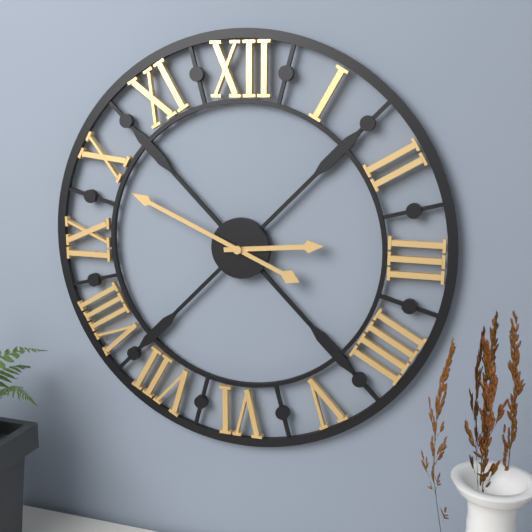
2:49
